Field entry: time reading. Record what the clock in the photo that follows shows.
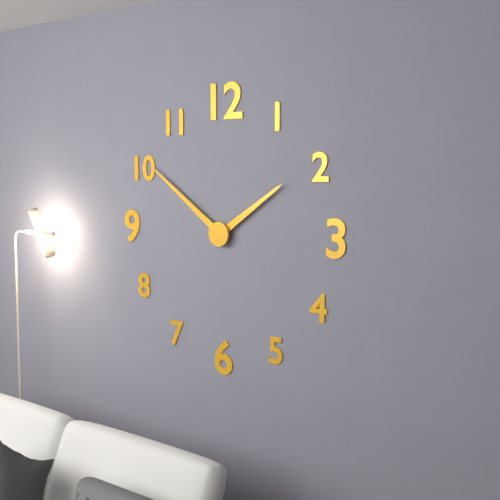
1:51
